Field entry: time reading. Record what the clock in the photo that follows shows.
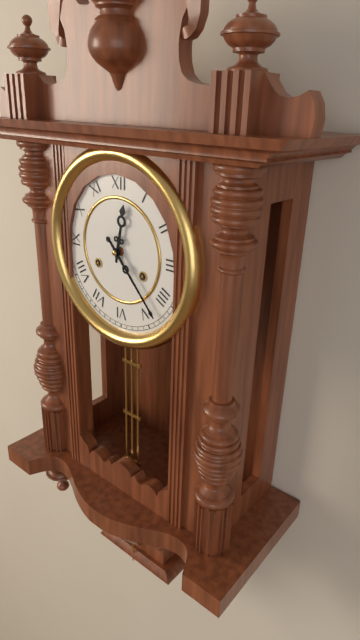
12:23
